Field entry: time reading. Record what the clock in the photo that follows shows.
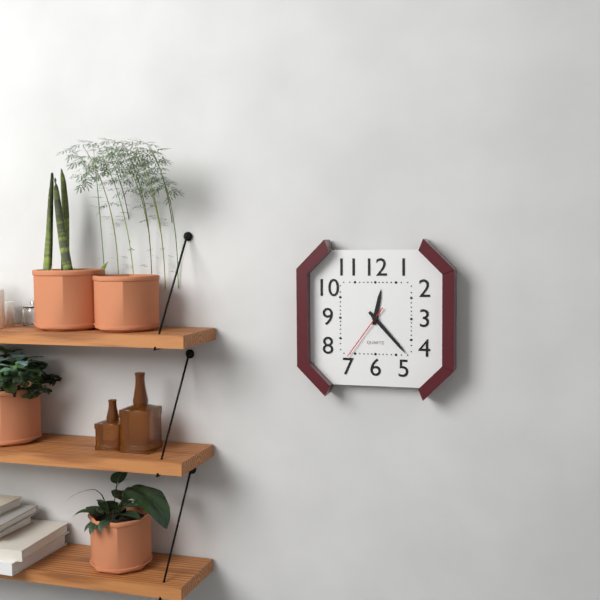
12:23:36
